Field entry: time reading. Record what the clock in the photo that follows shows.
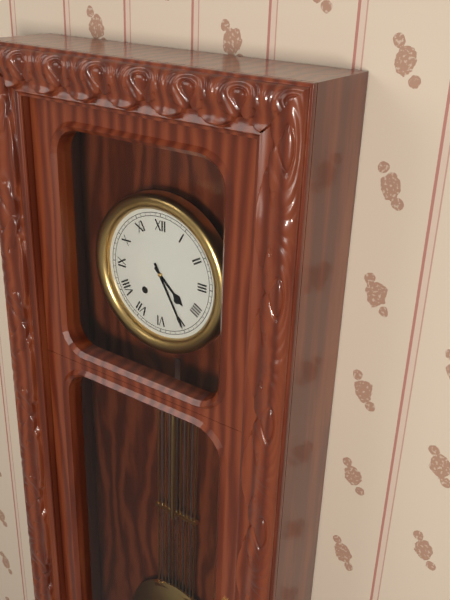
4:25
